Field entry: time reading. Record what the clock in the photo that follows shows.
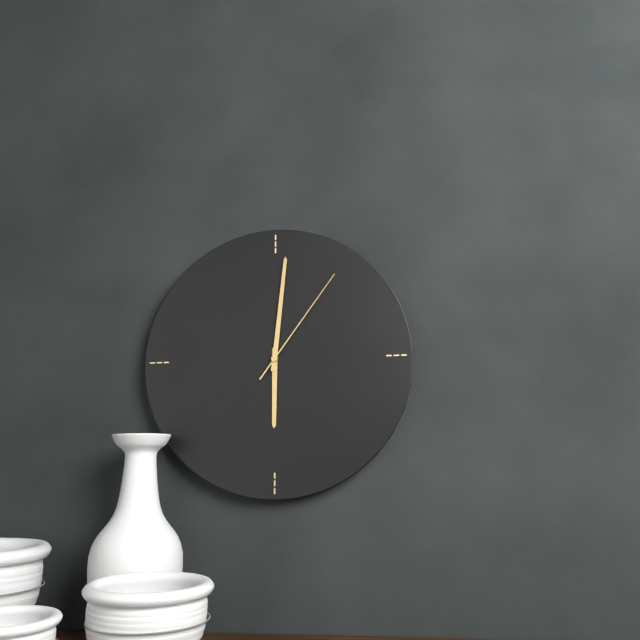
6:01:06
